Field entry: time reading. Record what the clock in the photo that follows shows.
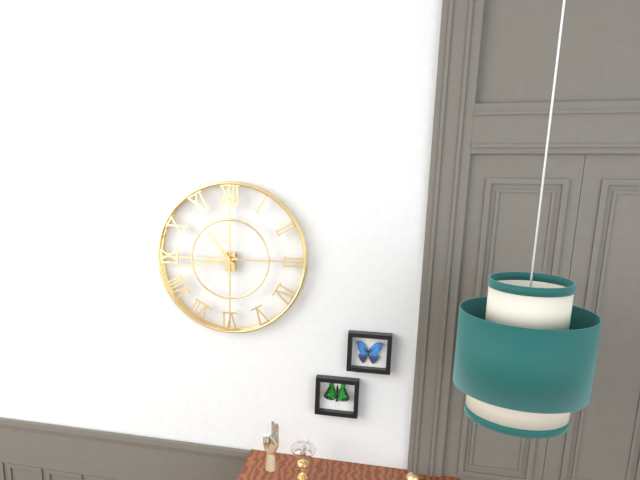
10:43
